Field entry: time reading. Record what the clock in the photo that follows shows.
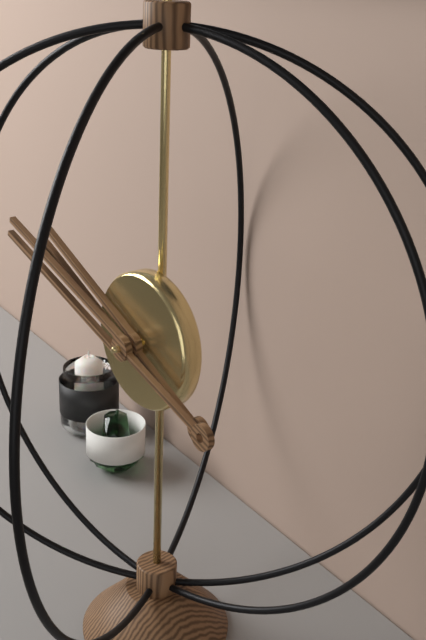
9:48
